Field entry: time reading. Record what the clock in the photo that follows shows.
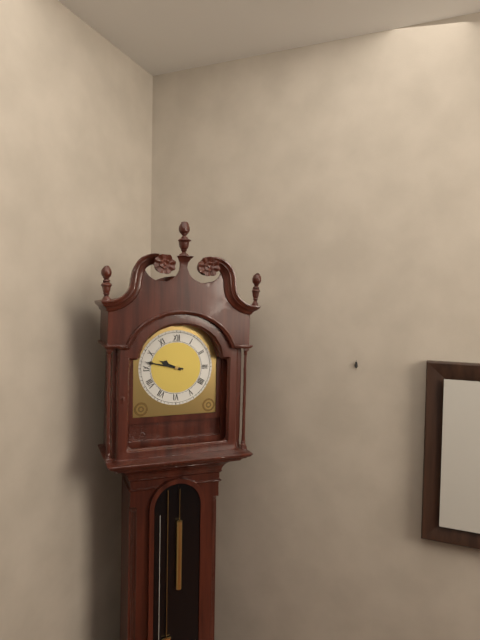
9:47
